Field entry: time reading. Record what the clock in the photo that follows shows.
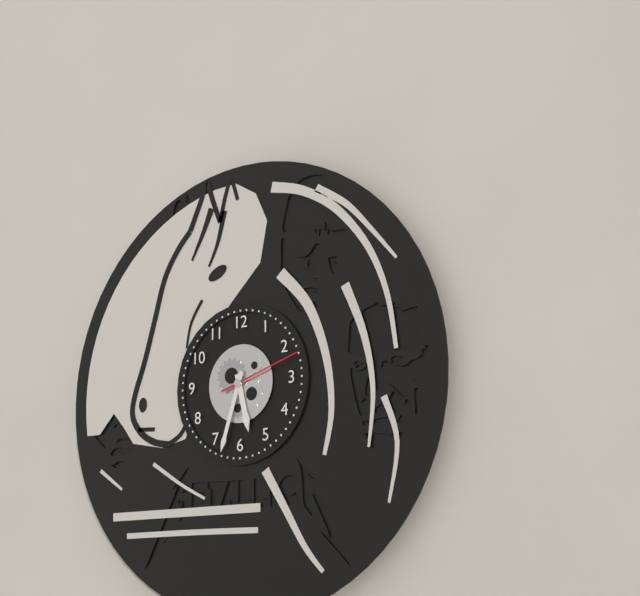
5:33:12
